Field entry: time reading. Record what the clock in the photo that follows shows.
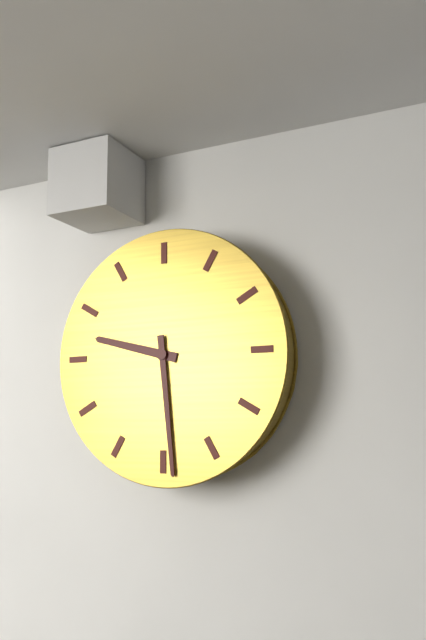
9:29
